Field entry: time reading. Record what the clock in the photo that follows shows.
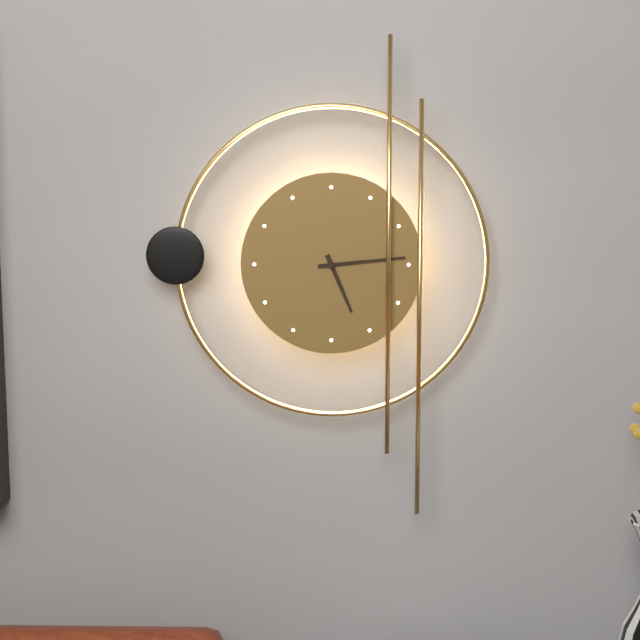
5:14
